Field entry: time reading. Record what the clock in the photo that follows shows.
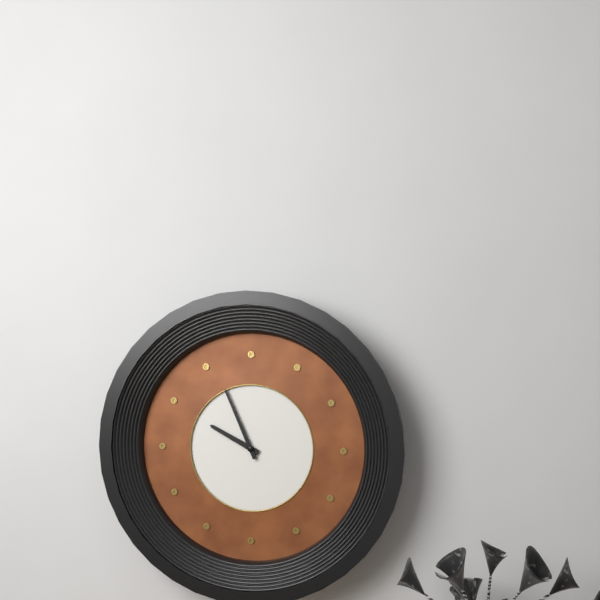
9:56
